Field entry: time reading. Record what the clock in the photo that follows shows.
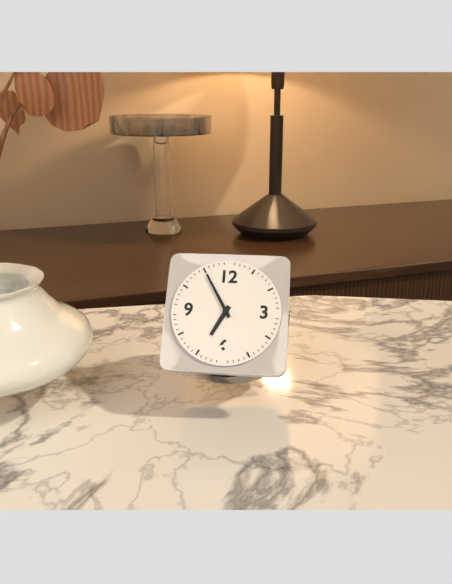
6:55
